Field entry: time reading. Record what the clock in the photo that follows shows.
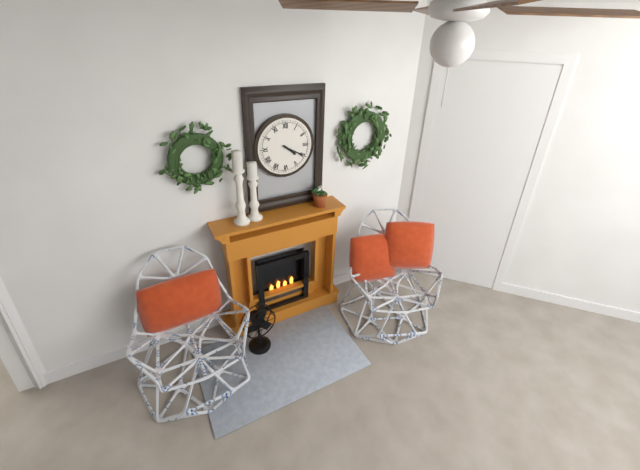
4:20
